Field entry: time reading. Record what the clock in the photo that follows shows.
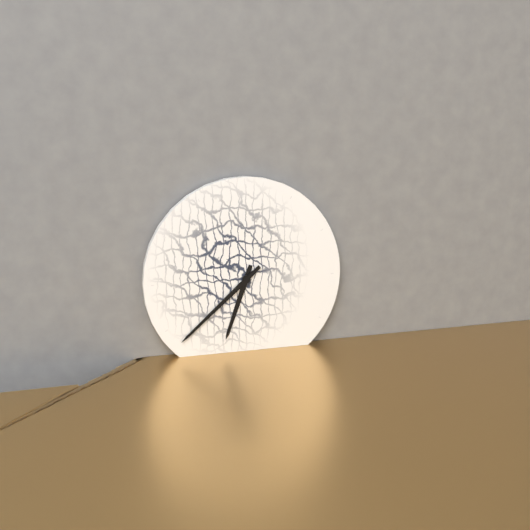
6:38
